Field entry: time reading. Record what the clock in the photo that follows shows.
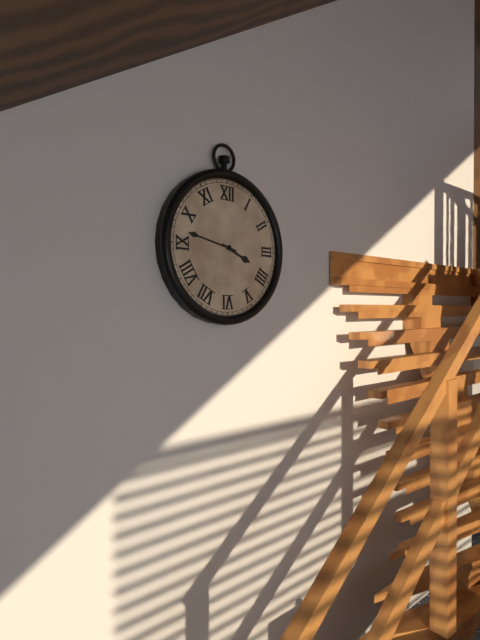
3:47
